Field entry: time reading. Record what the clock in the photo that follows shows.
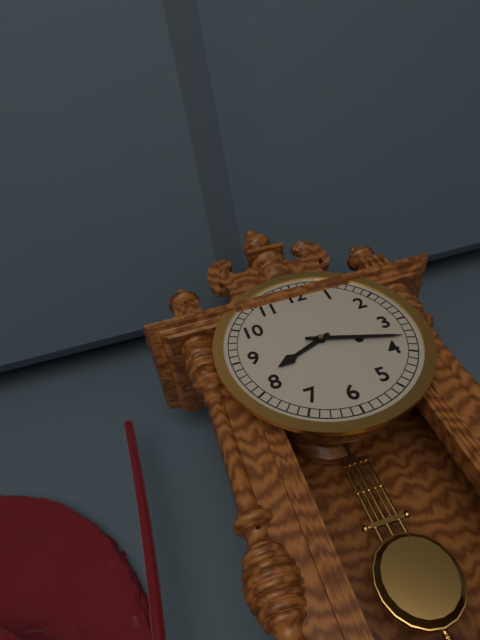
8:18
